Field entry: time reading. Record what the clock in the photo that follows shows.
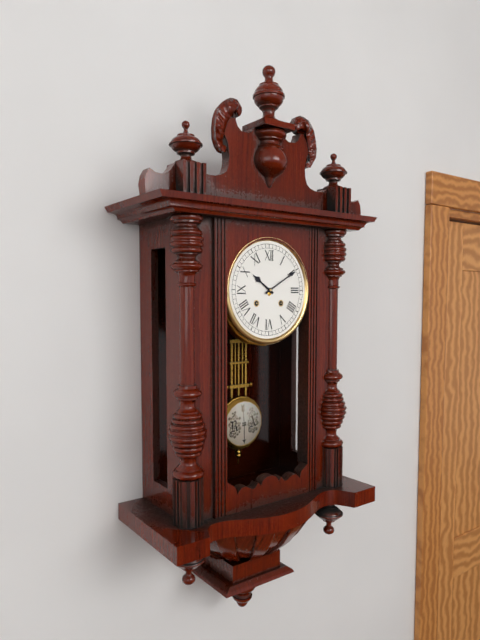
10:10
